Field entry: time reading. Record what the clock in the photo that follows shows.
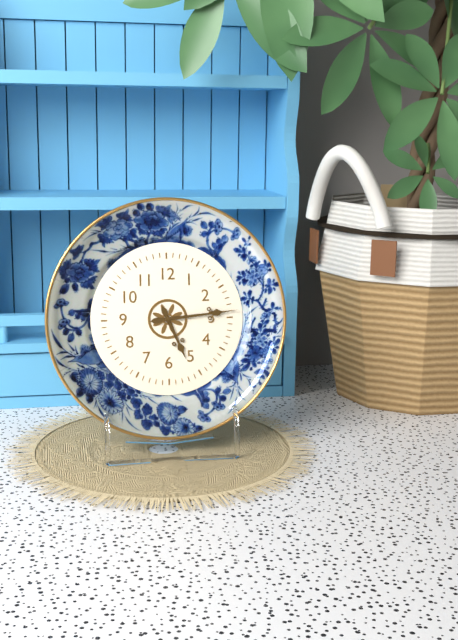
5:14
